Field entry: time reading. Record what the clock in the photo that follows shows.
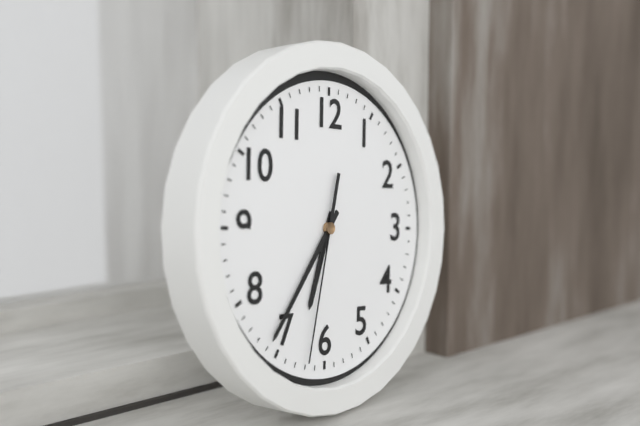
6:36:32
